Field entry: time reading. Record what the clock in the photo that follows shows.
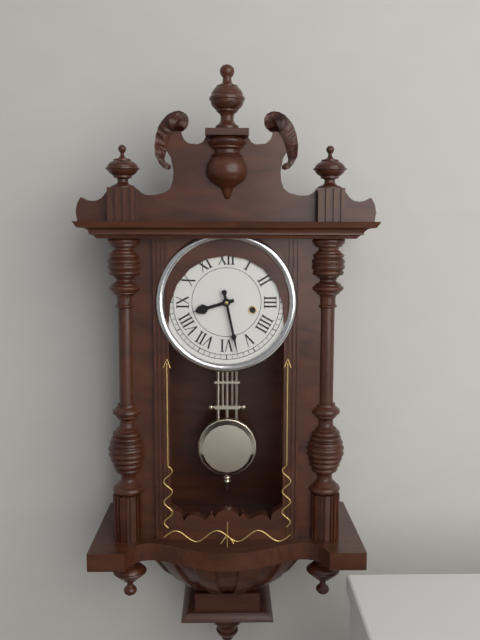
8:28
